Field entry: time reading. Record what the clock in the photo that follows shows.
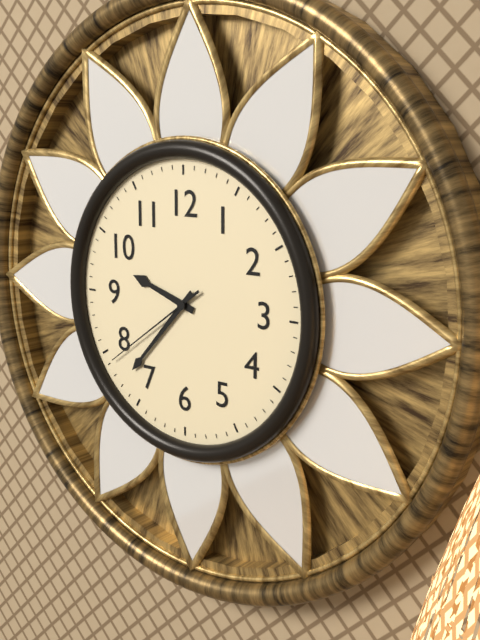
9:37:39
